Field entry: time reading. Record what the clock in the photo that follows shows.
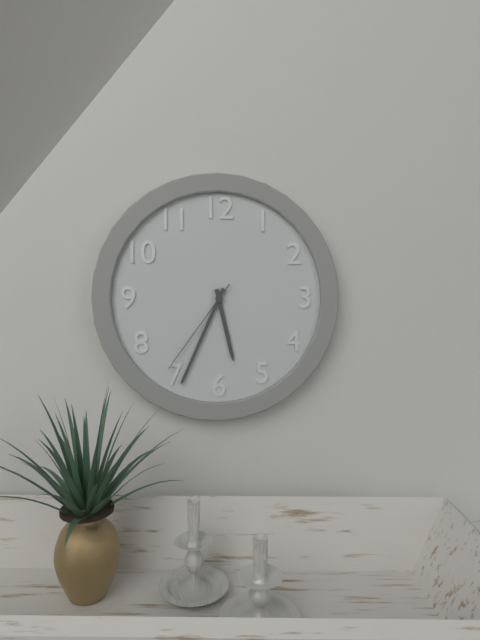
5:34:36
